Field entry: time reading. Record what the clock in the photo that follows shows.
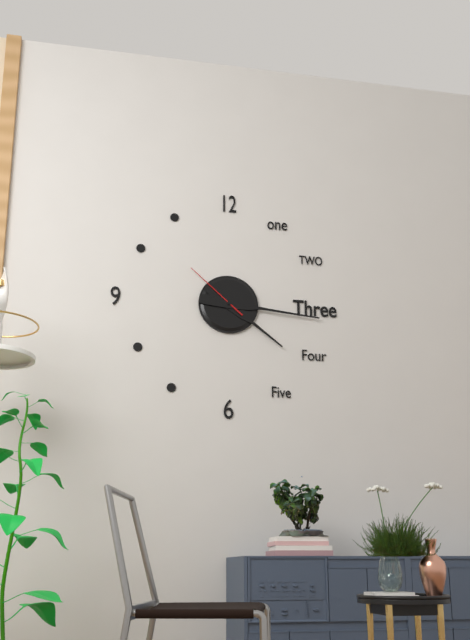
4:16:52
